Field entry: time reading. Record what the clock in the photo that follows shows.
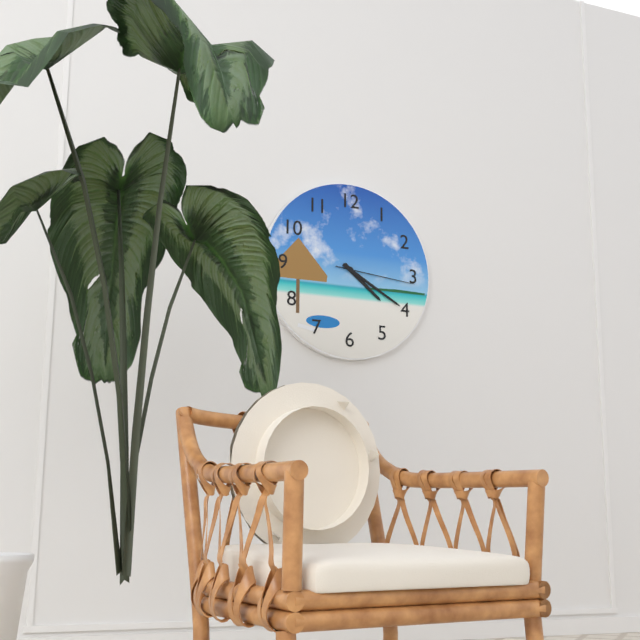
4:20:16
